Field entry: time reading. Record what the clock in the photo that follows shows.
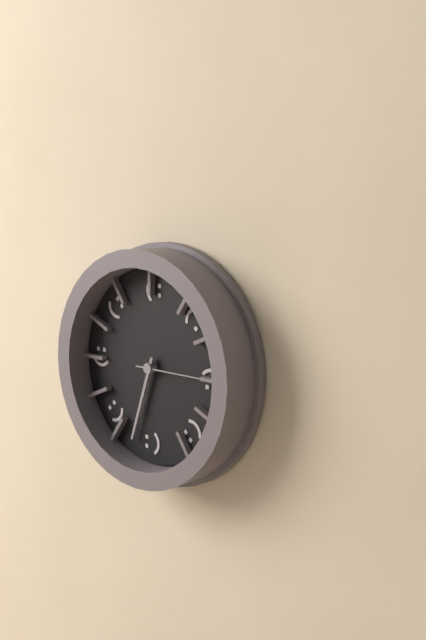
6:33:15
